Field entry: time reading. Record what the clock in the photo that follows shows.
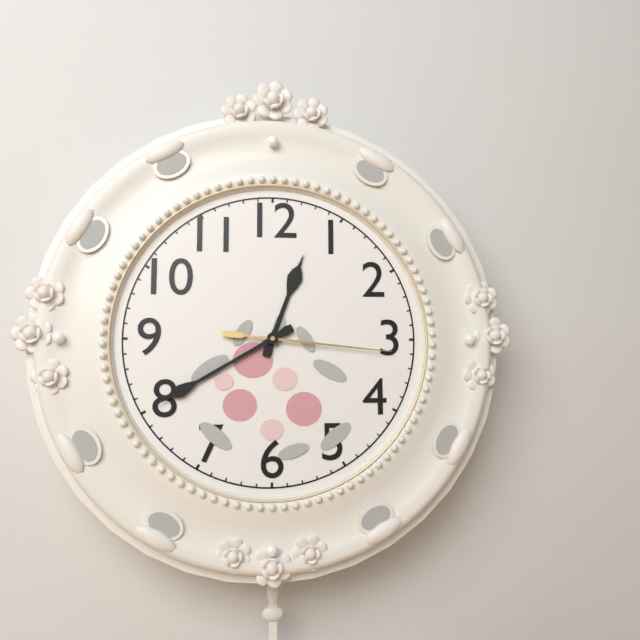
12:40:16
